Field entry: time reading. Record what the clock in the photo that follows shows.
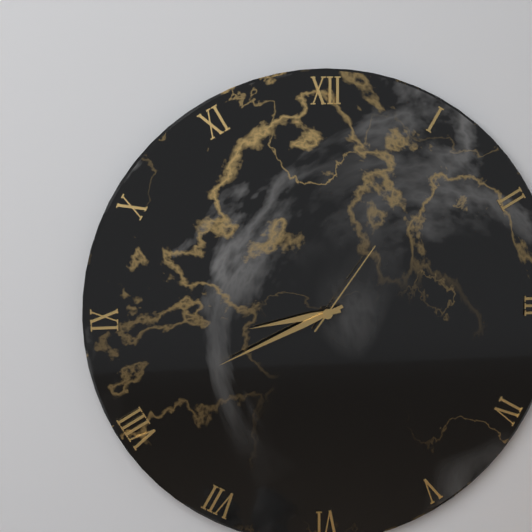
8:41:06
